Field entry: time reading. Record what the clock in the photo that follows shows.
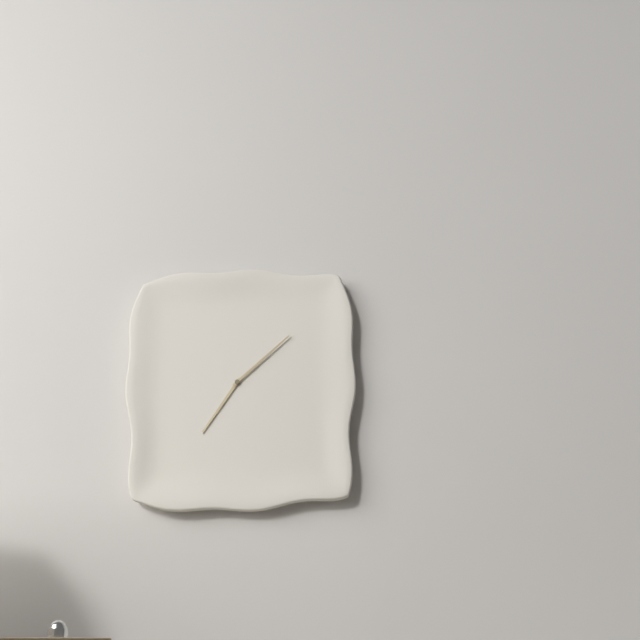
7:08
